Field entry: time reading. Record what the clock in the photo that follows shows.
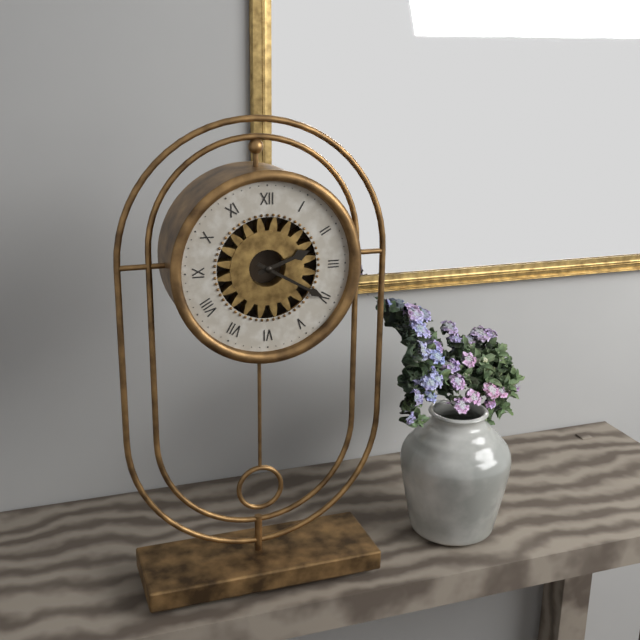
2:20
